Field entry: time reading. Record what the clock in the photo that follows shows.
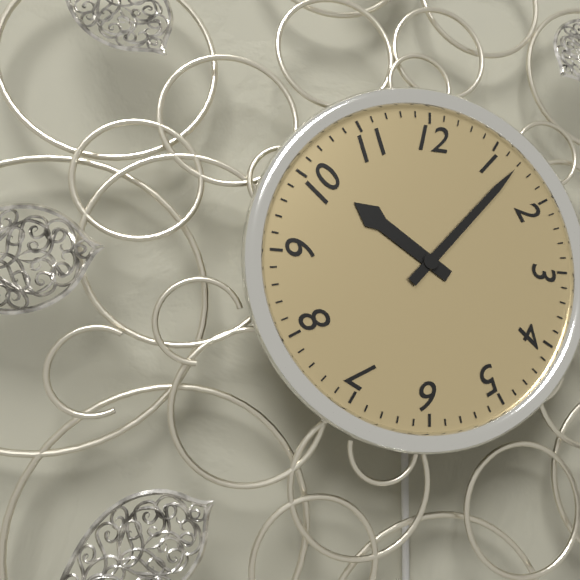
10:07
